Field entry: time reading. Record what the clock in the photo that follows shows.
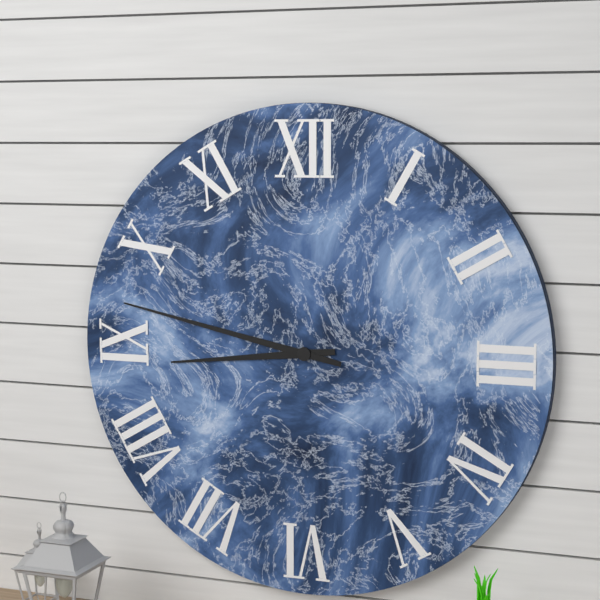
8:47
